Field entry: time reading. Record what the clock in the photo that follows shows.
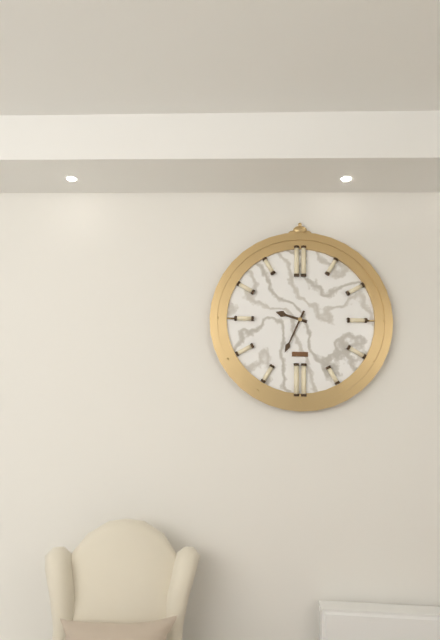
9:34
